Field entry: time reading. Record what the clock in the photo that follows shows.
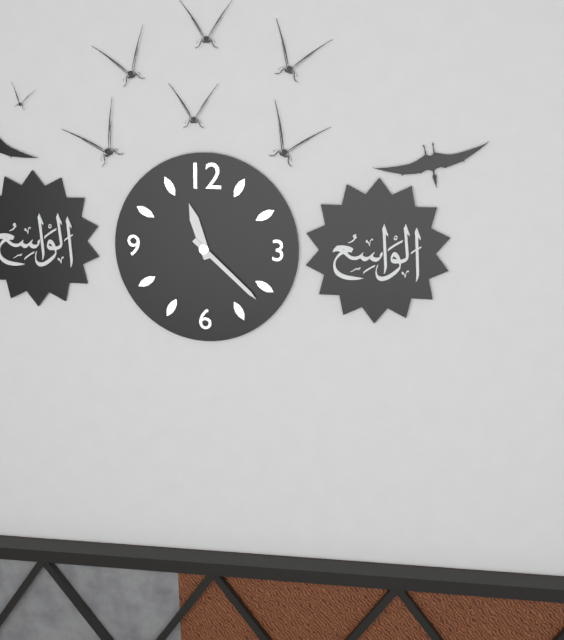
11:22
